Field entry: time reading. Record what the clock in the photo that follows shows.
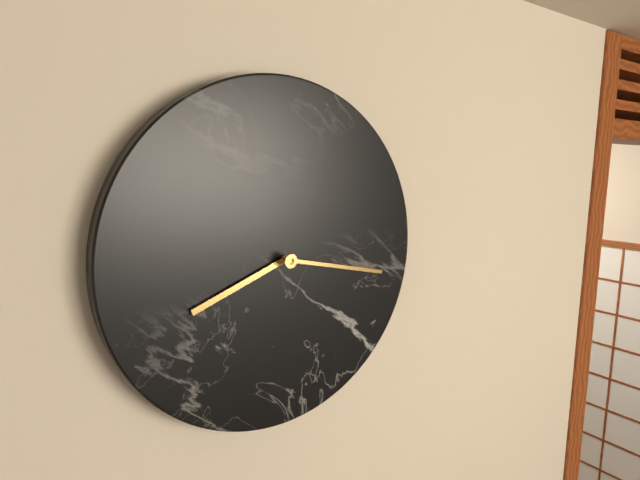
8:17
